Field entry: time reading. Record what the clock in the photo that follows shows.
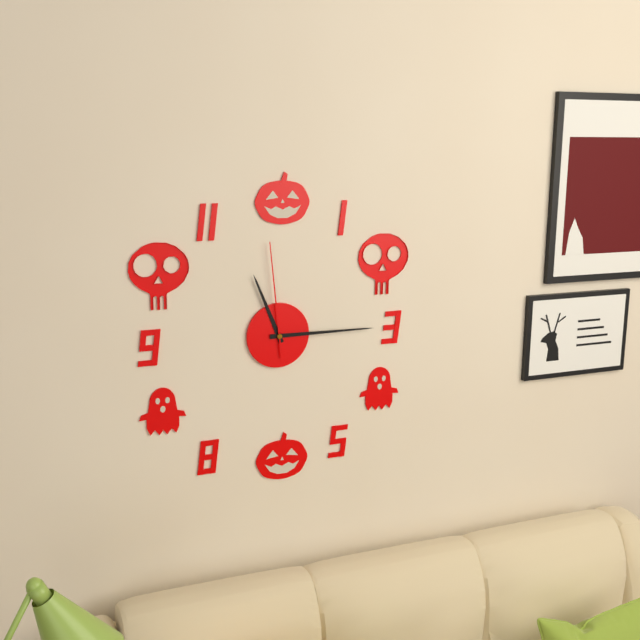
11:15:59
